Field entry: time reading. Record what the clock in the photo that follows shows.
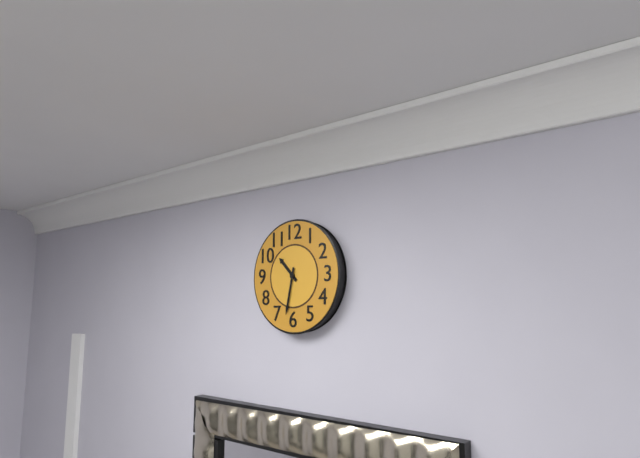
10:32
